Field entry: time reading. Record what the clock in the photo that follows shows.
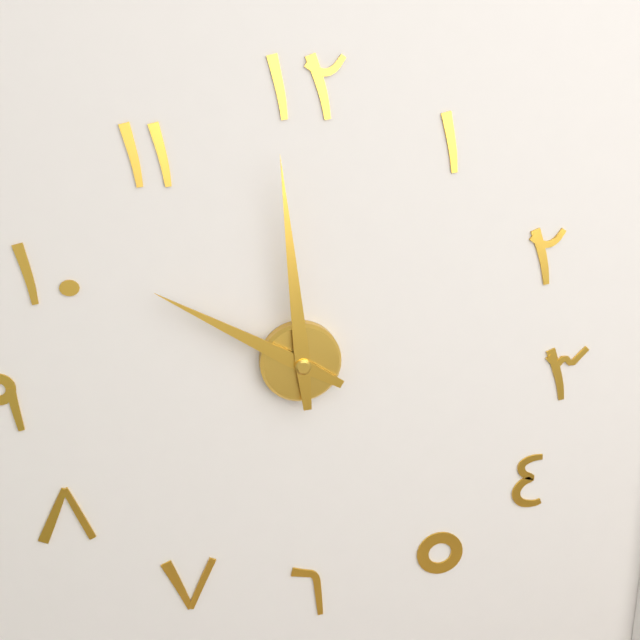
9:59
